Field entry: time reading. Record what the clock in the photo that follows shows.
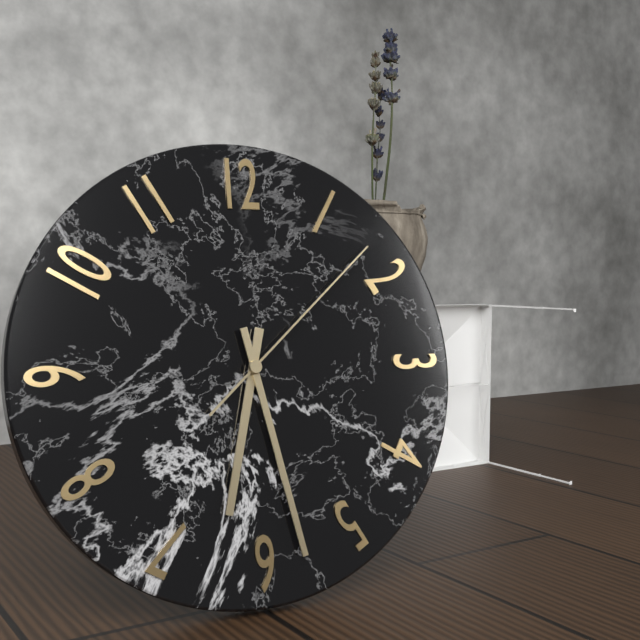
6:28:08
